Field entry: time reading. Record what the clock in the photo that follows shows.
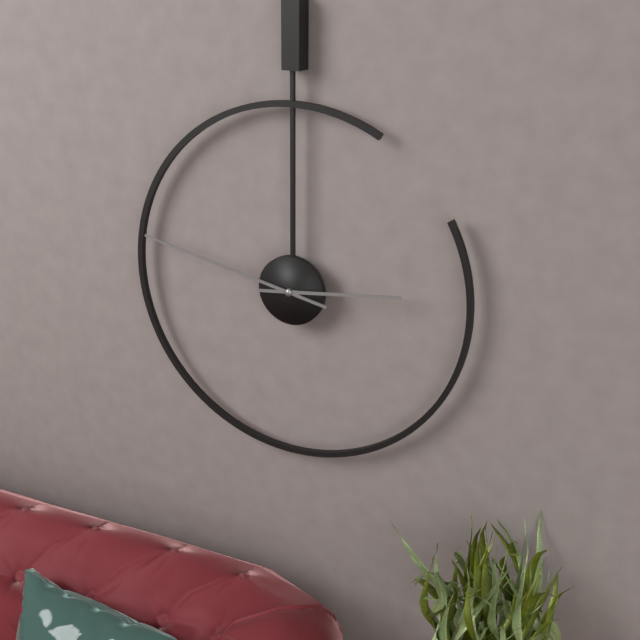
2:47
